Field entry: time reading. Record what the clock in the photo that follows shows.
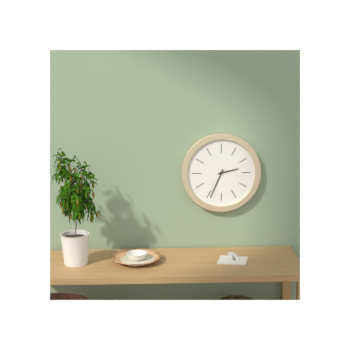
2:34
